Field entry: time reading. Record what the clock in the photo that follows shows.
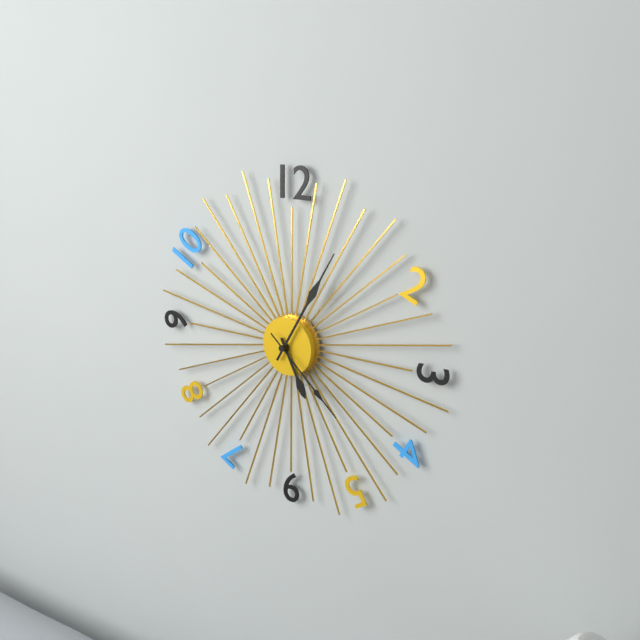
5:05:22
